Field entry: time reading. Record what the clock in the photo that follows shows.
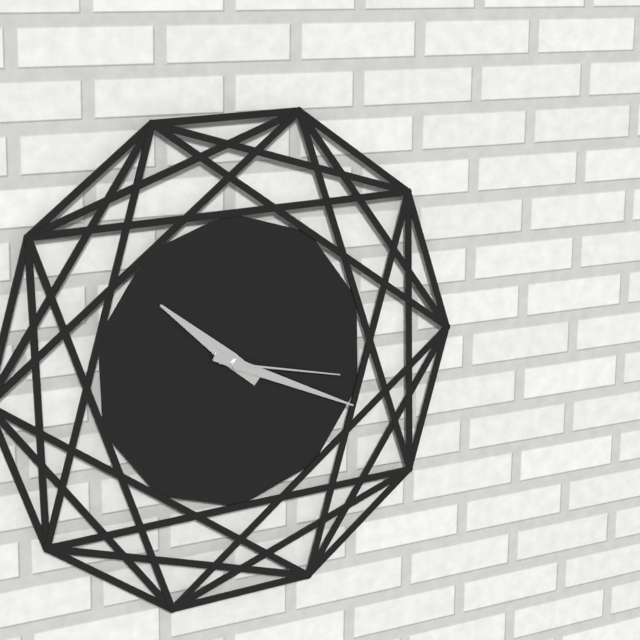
10:19:17
